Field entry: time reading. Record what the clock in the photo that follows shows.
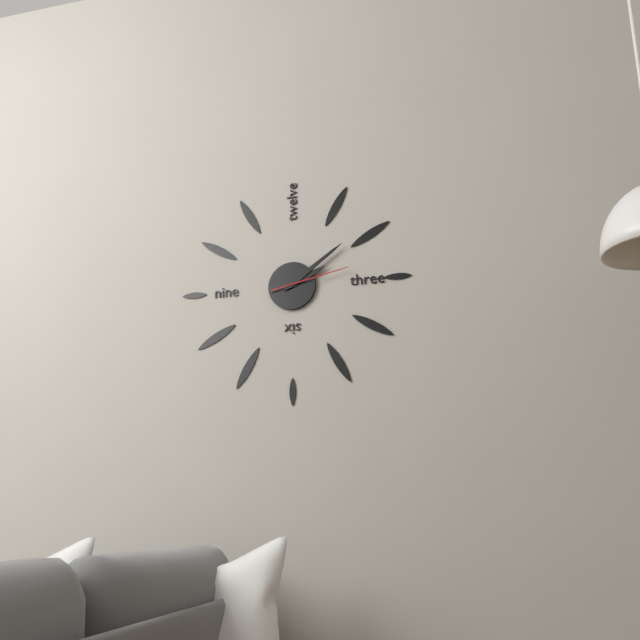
2:09:13
